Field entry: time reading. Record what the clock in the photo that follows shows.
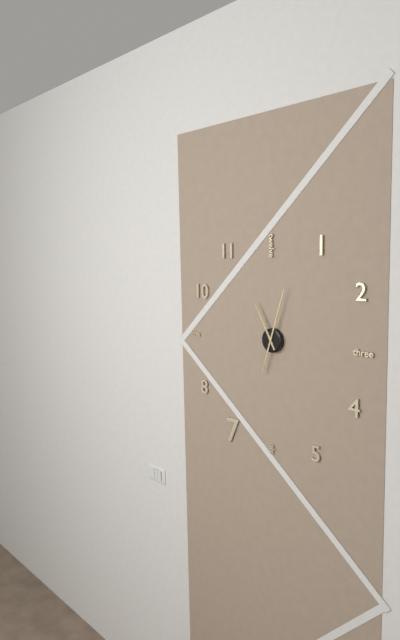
11:03
